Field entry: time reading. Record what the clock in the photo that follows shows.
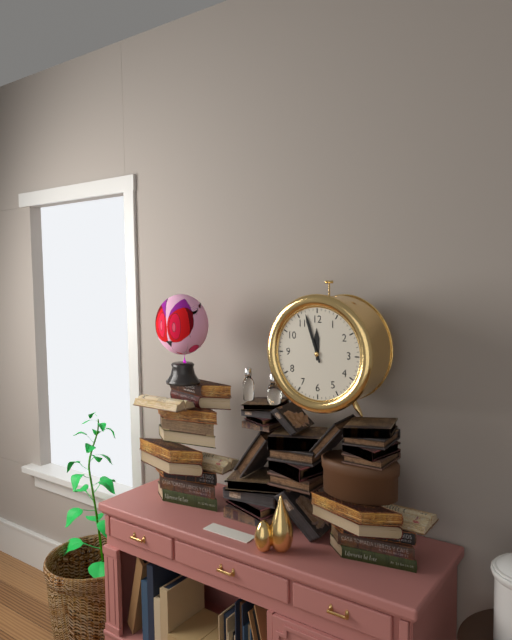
11:57
